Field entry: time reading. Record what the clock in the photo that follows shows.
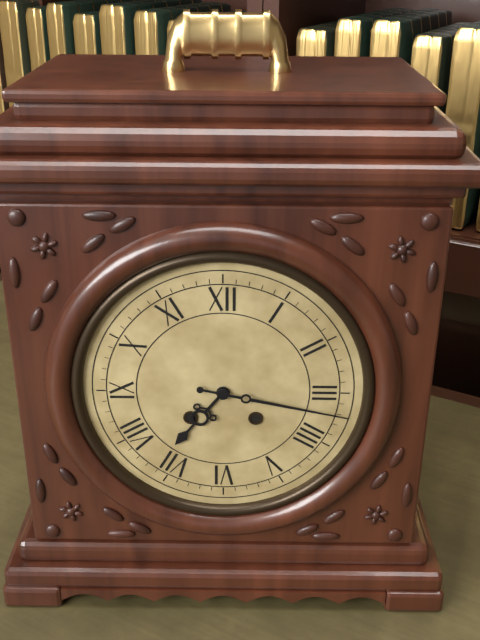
7:17
